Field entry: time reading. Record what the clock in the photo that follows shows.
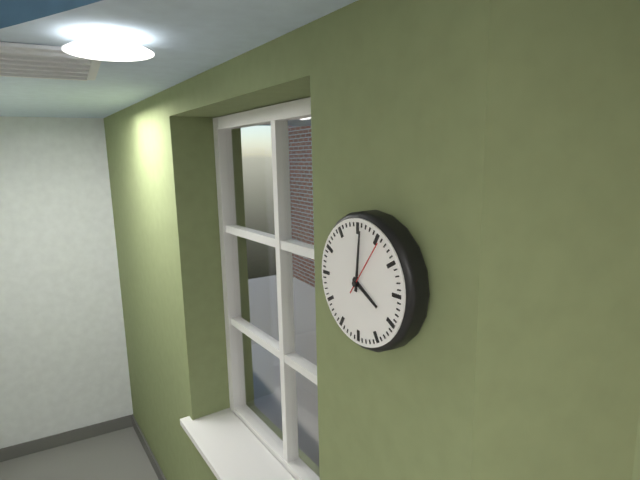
4:01:06
